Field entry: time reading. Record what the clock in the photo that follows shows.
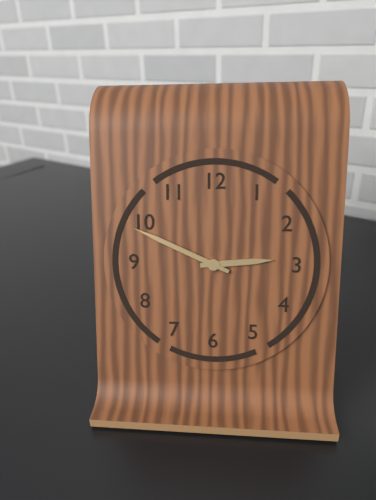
2:49
